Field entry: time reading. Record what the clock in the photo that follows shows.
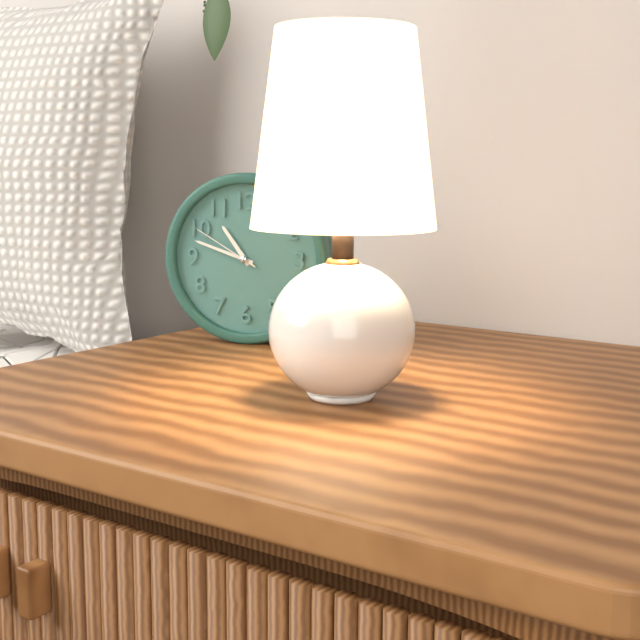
10:48:50
